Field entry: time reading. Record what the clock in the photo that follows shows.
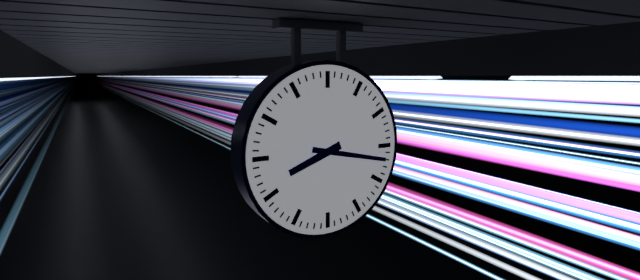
8:17
